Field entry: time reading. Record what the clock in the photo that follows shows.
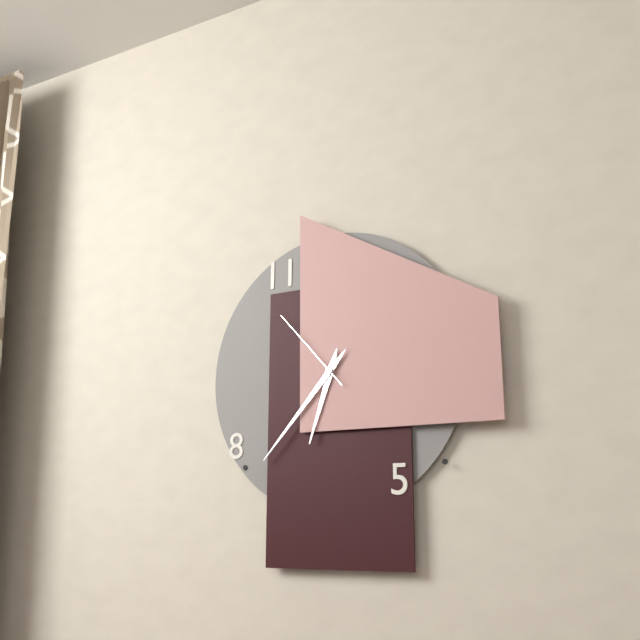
6:37:53
